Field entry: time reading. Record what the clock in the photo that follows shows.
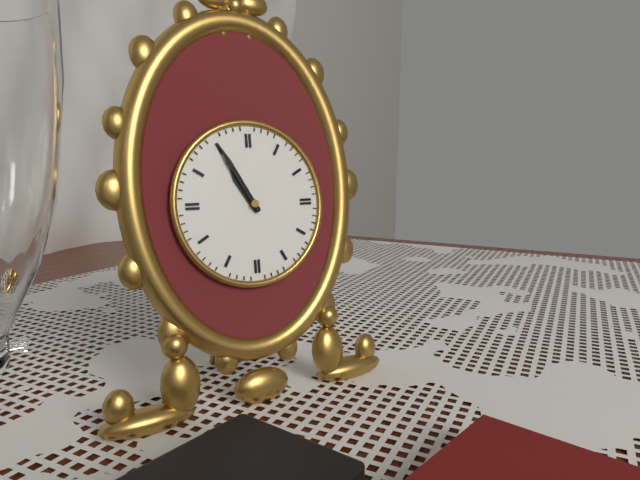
10:55
